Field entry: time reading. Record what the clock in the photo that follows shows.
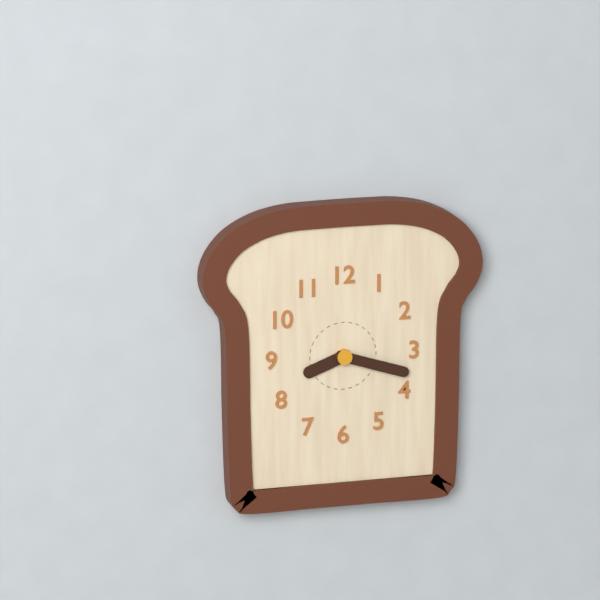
8:18
